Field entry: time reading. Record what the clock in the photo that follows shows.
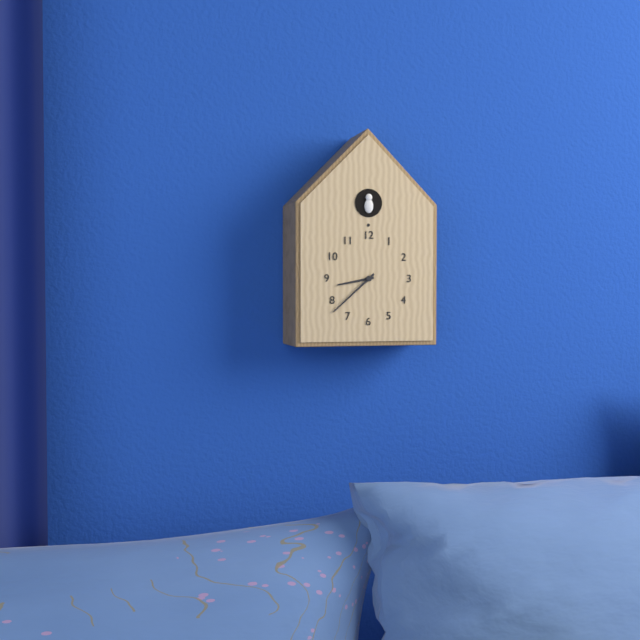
8:38
